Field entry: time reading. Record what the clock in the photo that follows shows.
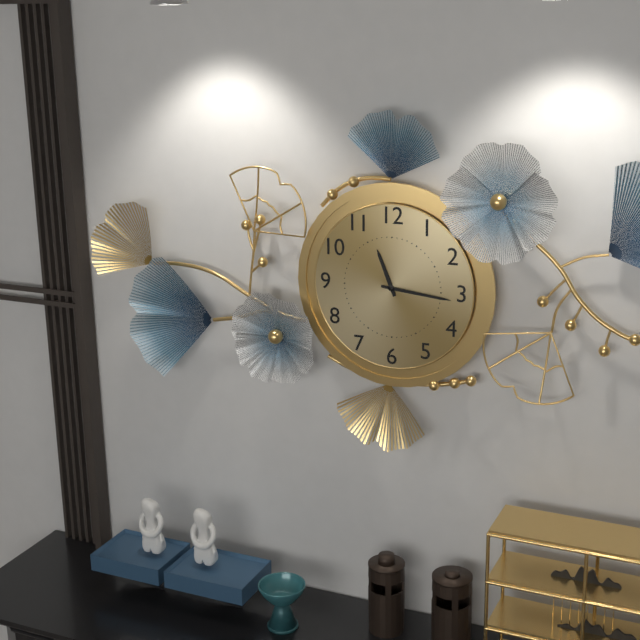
11:16
